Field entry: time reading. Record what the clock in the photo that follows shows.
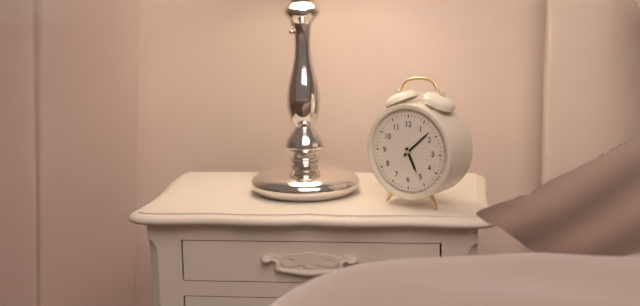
5:08
